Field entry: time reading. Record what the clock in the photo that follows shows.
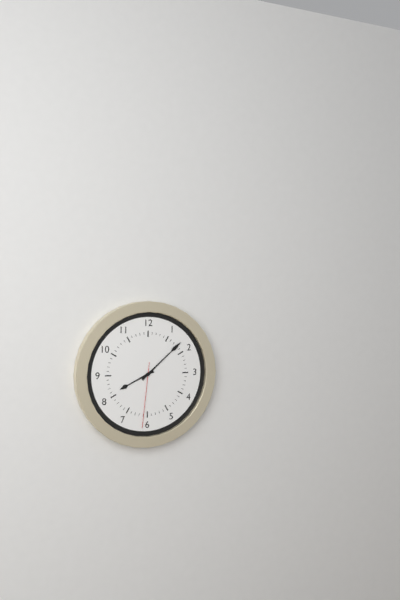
8:08:31
